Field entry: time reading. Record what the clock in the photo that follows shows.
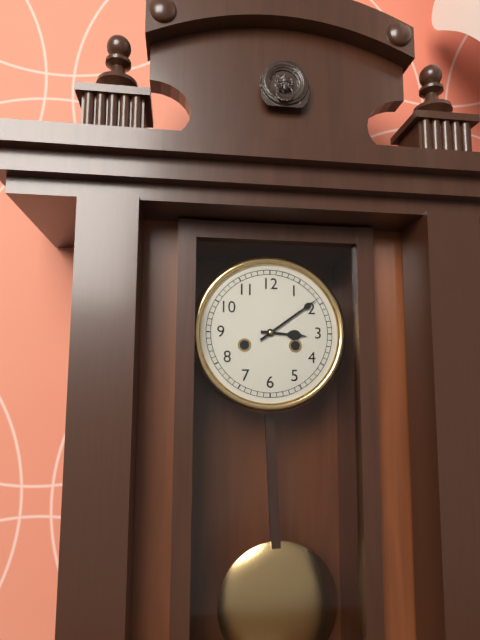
3:09
